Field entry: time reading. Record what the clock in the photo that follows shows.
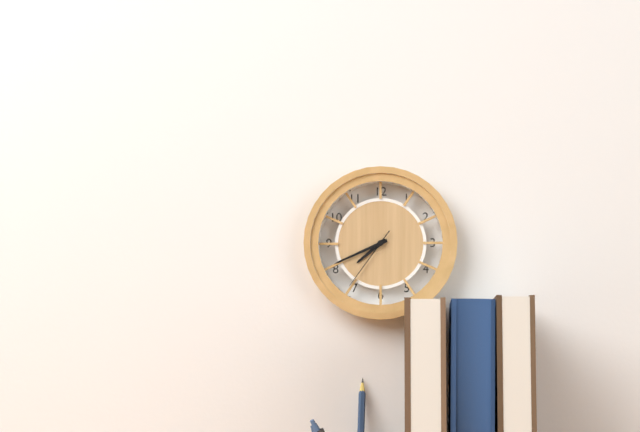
7:41:36
